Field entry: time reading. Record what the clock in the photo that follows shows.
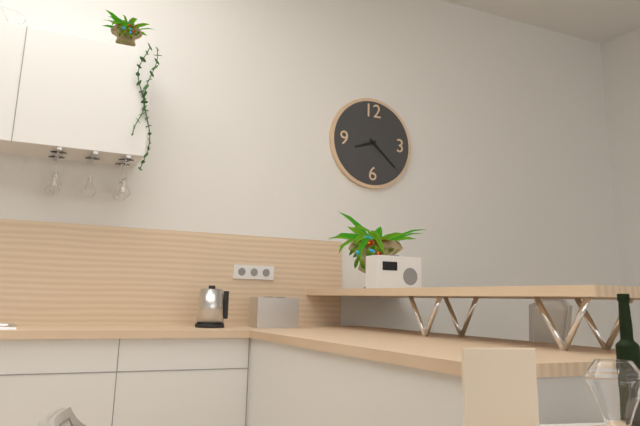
8:22
